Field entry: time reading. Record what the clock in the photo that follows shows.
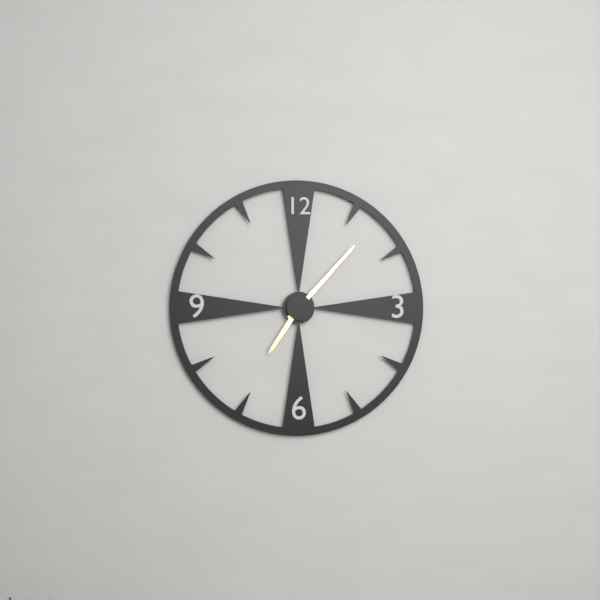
7:07
